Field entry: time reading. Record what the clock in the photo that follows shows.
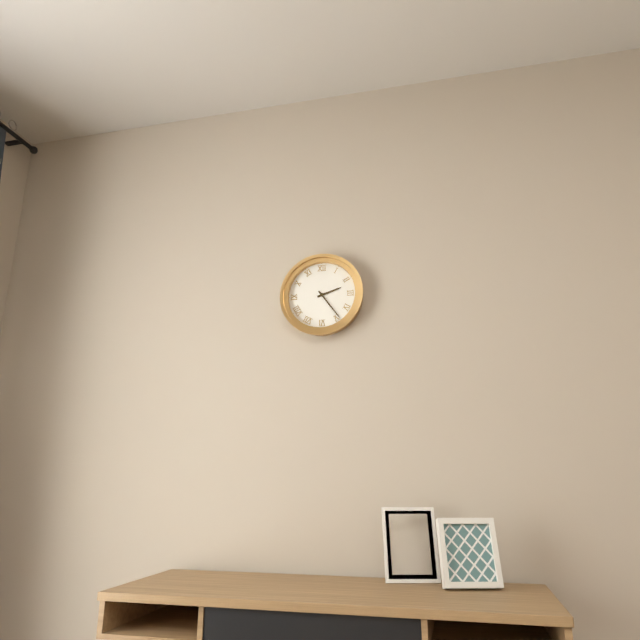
2:24
